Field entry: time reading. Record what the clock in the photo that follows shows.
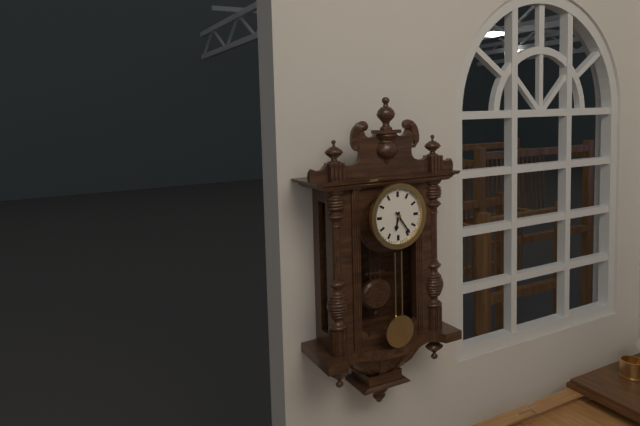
6:24
